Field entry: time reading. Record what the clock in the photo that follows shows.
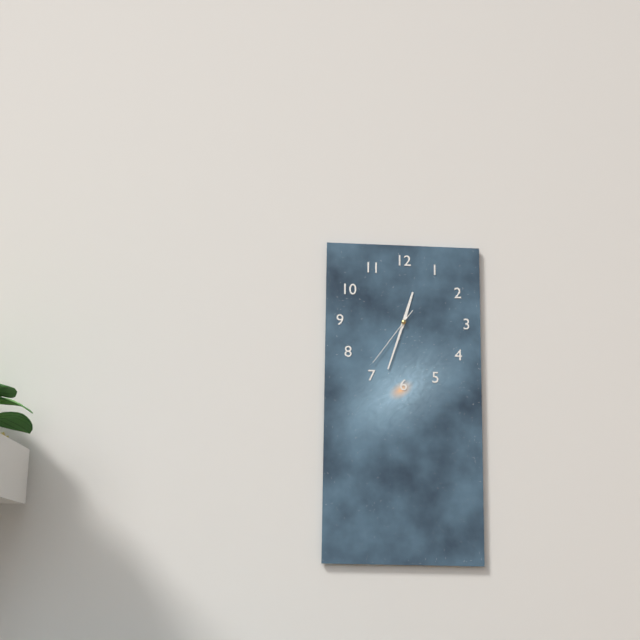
12:33:36
